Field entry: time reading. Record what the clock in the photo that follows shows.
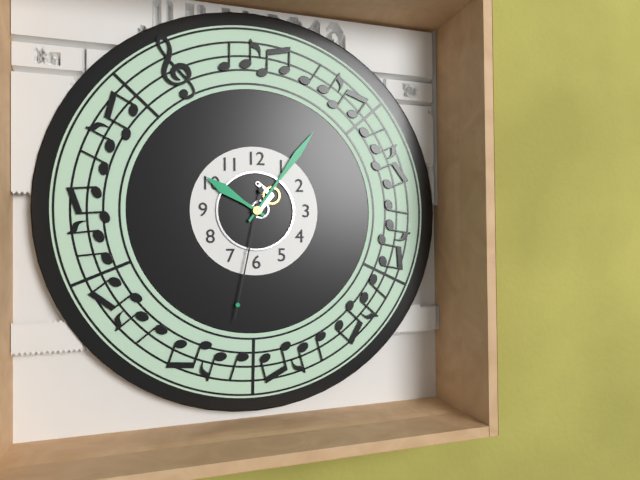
10:06:32
